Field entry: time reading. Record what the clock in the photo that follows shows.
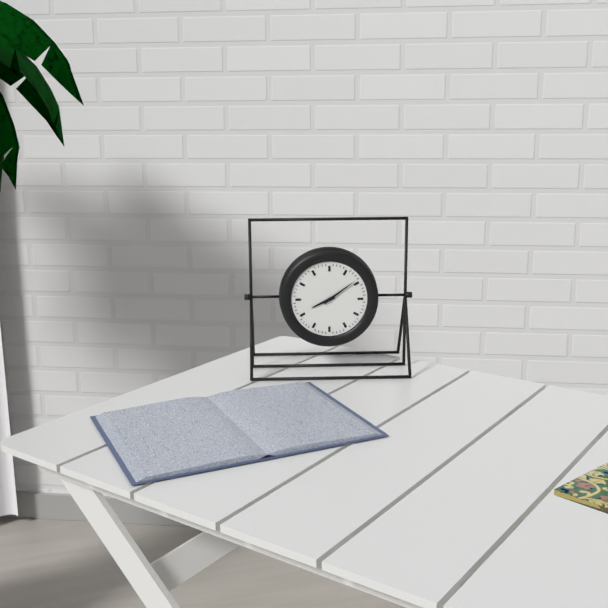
8:09
